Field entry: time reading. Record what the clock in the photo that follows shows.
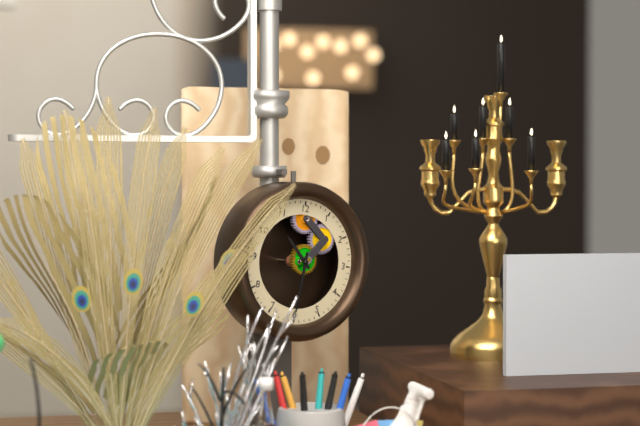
10:31
